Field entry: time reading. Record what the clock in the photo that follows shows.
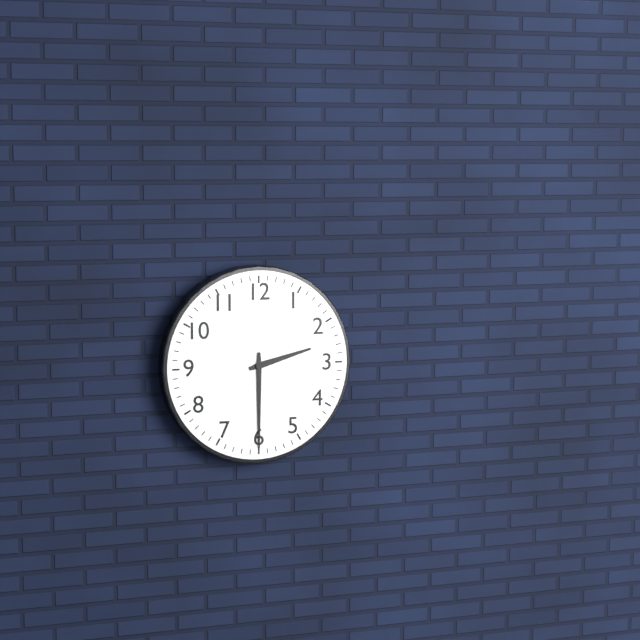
2:30
